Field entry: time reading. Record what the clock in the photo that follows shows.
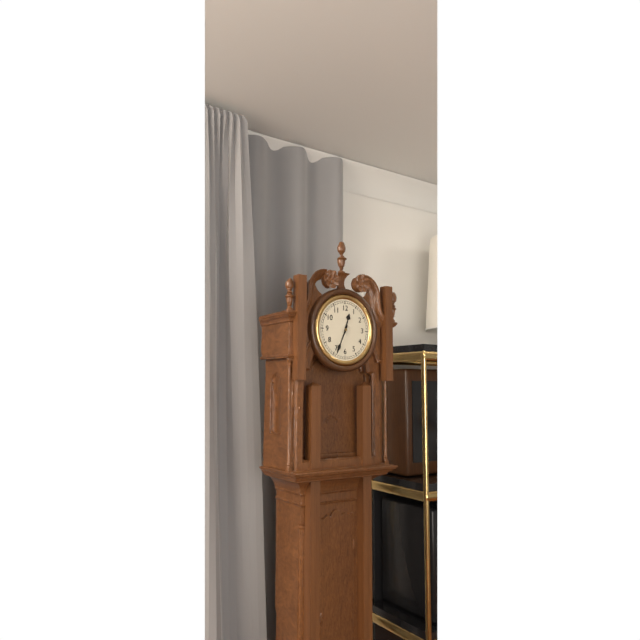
12:34
